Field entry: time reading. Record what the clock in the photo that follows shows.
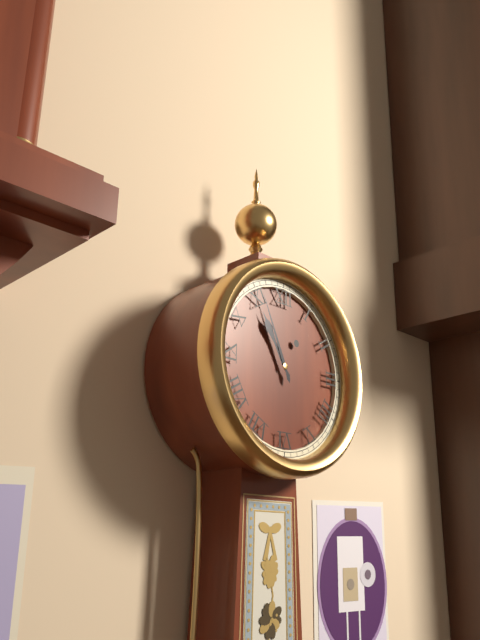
10:56
